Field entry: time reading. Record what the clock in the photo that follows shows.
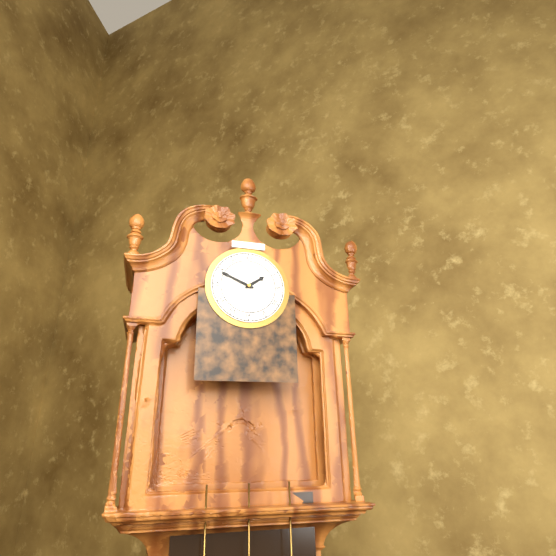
1:49
